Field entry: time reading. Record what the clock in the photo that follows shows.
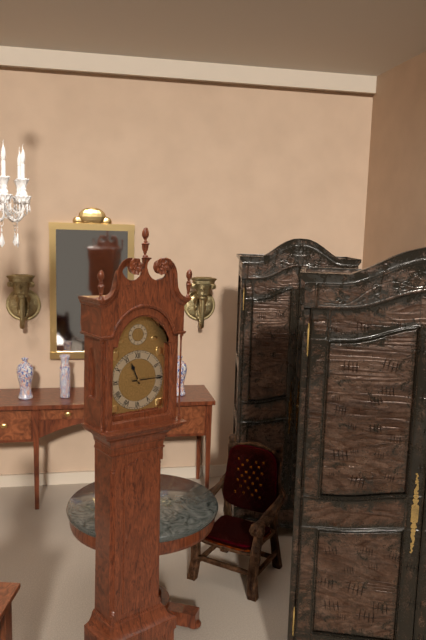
11:15
